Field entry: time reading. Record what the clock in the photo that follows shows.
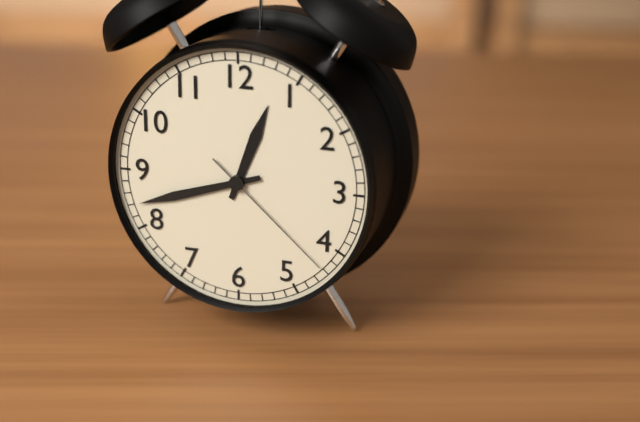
12:42:22
